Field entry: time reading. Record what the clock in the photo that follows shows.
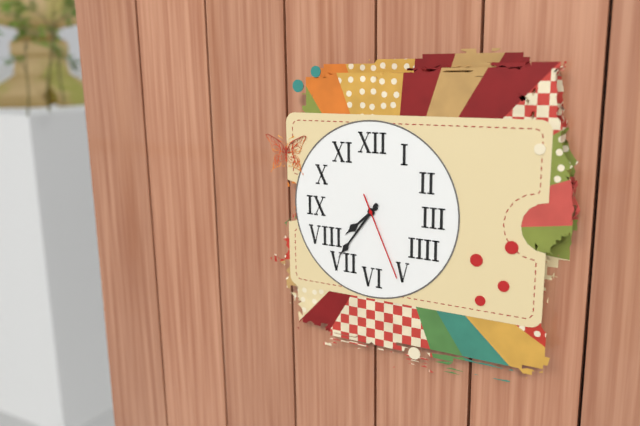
7:36:26
